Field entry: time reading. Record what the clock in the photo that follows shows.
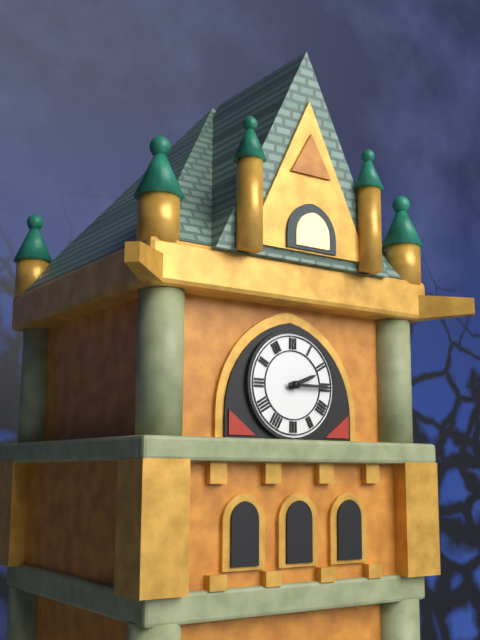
2:15
